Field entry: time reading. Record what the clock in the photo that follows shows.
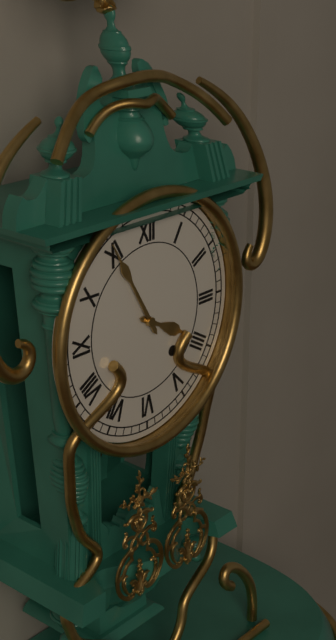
3:55
